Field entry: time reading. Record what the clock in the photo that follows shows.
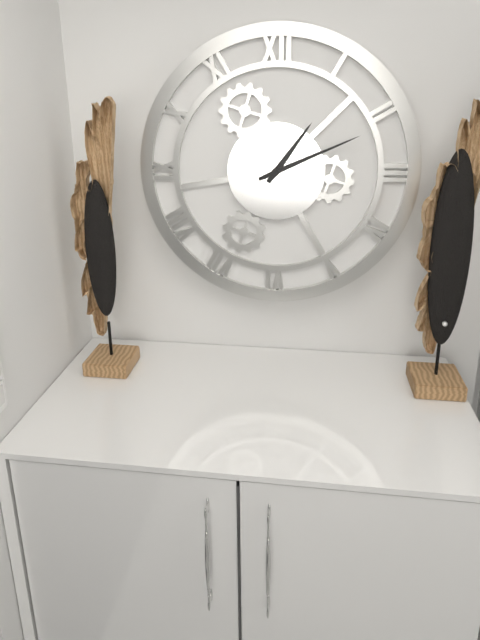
1:11
